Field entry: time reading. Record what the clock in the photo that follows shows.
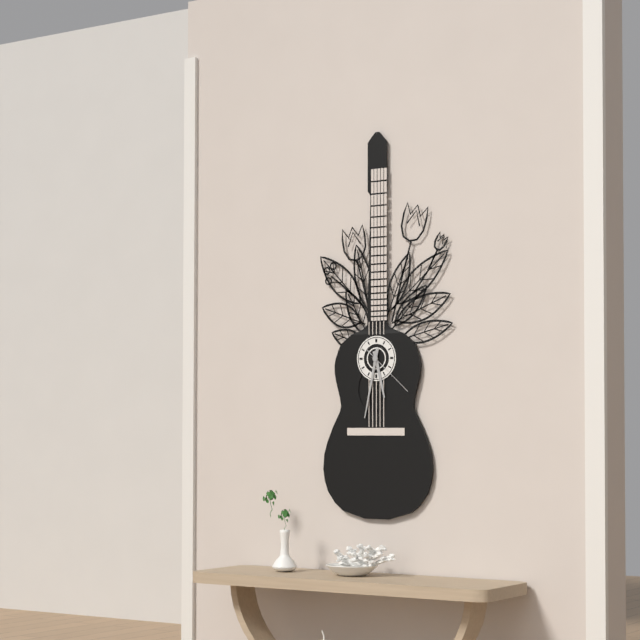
5:32:22
